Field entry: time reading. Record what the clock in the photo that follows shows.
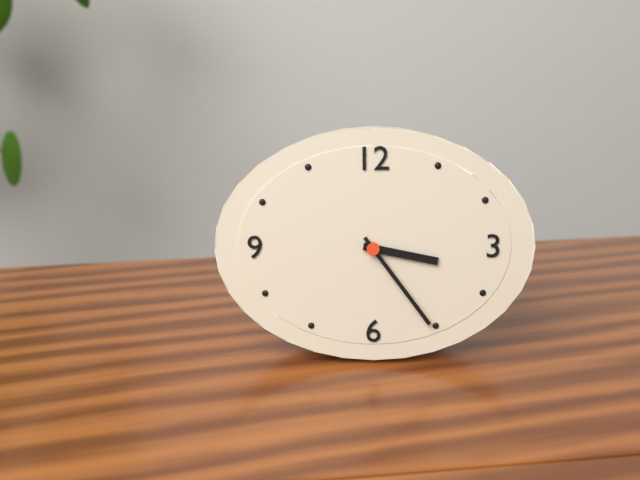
3:24
